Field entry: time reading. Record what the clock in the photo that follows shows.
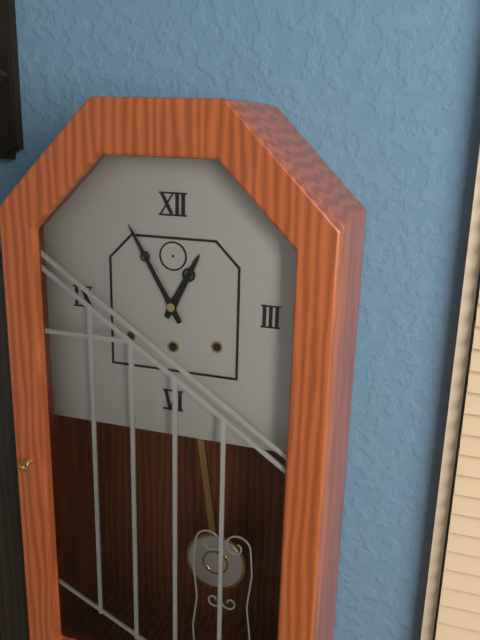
12:55
